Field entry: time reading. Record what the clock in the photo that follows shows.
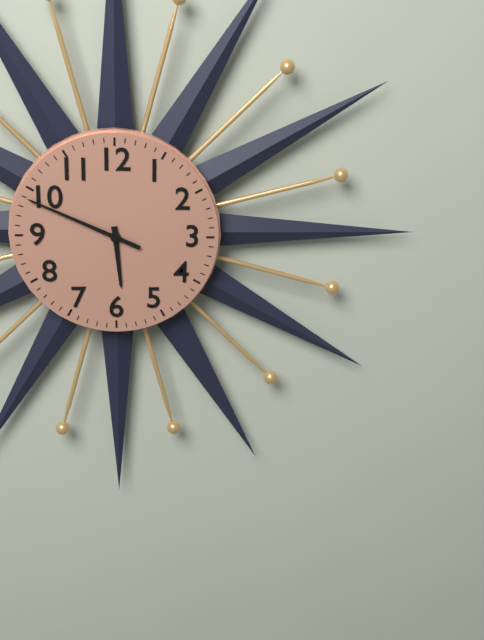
5:49
